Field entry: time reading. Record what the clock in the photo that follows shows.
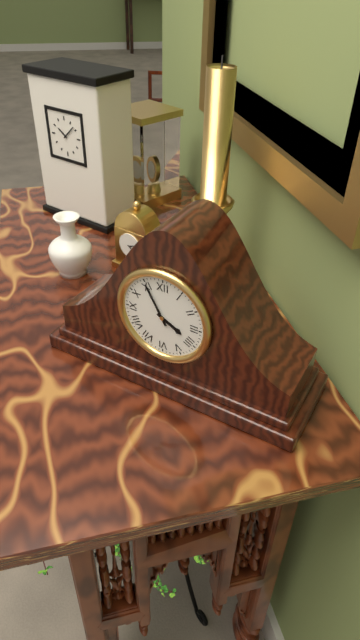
3:55
